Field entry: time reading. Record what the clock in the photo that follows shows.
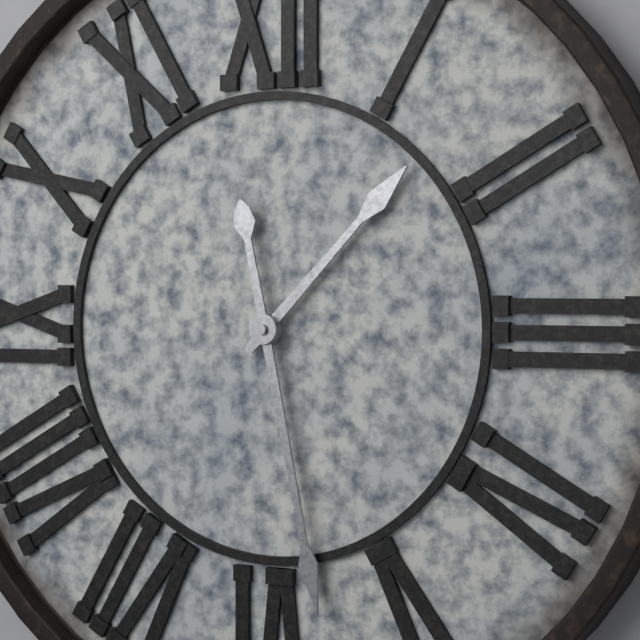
1:28
